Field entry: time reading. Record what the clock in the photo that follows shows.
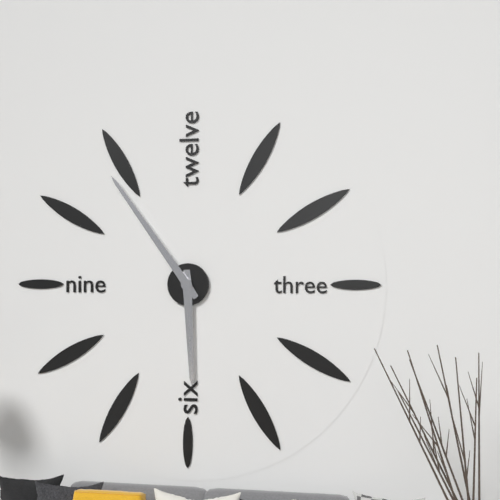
5:54
